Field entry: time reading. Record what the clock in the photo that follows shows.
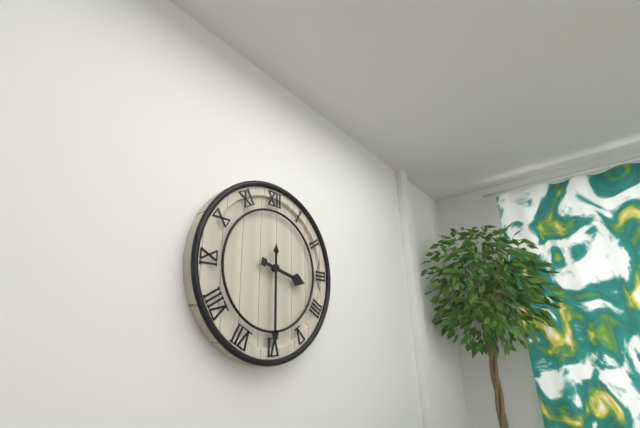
3:30
